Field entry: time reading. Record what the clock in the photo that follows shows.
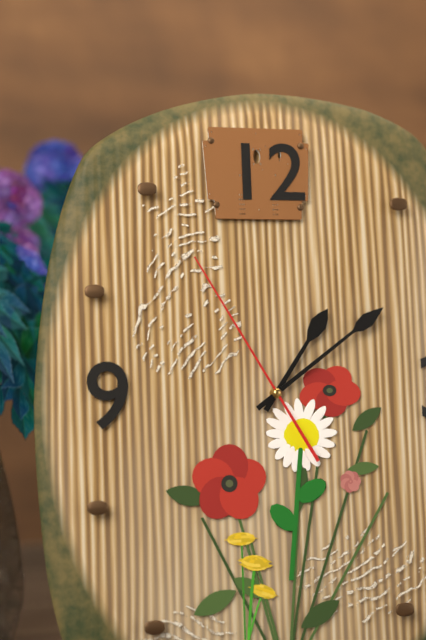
1:09:55
